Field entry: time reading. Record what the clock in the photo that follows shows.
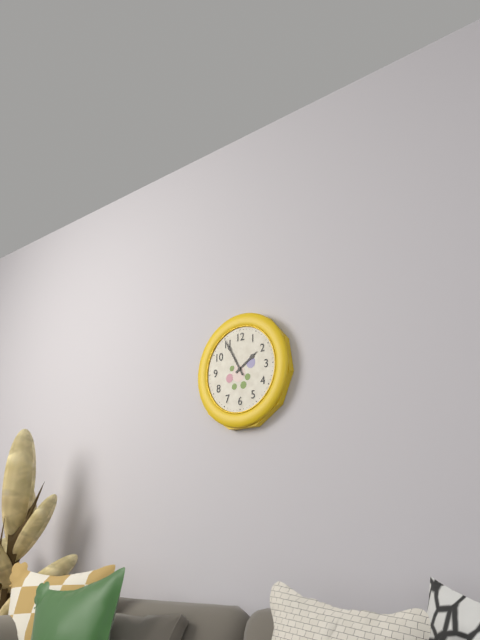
1:55
